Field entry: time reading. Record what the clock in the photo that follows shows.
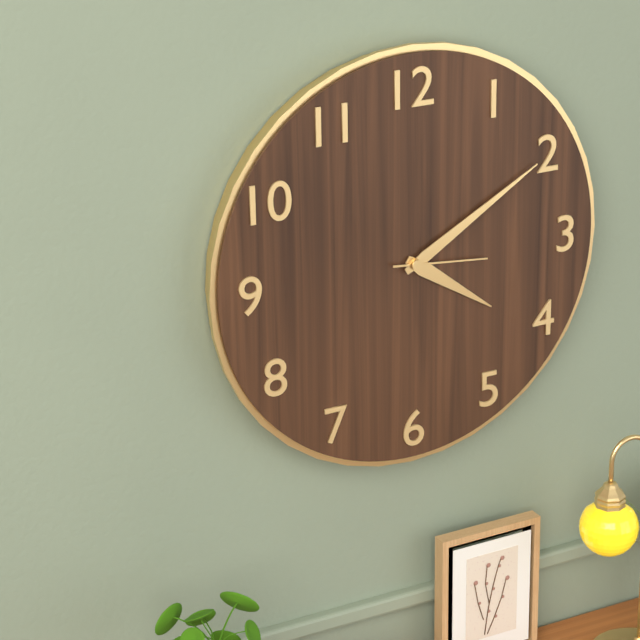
4:10:16
